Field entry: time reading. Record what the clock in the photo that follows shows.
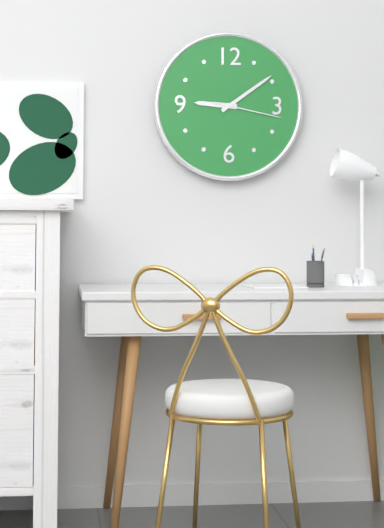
9:09:17
